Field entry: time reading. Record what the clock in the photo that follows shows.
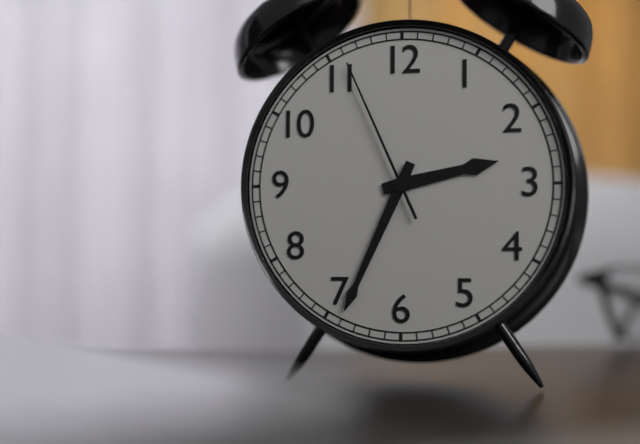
2:34:56
